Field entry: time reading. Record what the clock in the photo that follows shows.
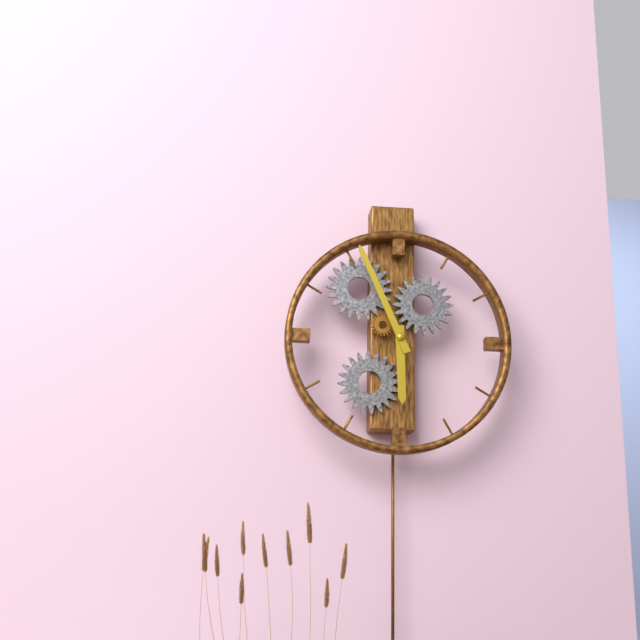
5:56
